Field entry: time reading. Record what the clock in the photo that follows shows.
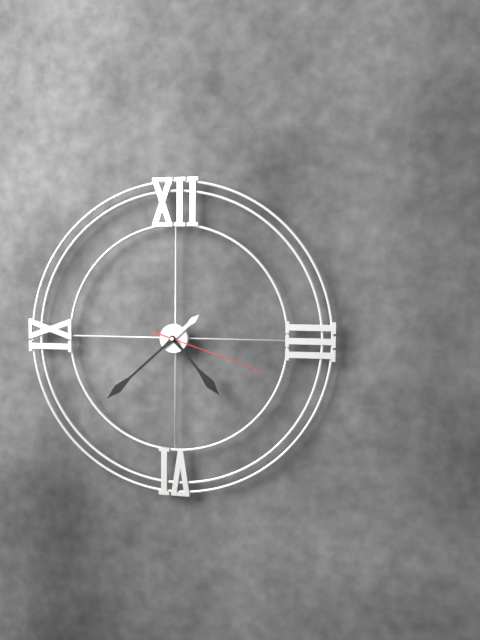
4:38:18
